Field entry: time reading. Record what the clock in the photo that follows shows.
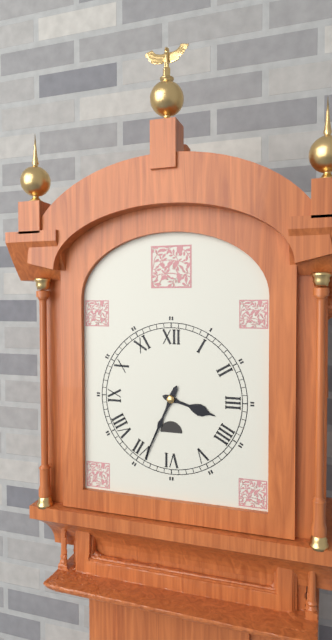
3:34
